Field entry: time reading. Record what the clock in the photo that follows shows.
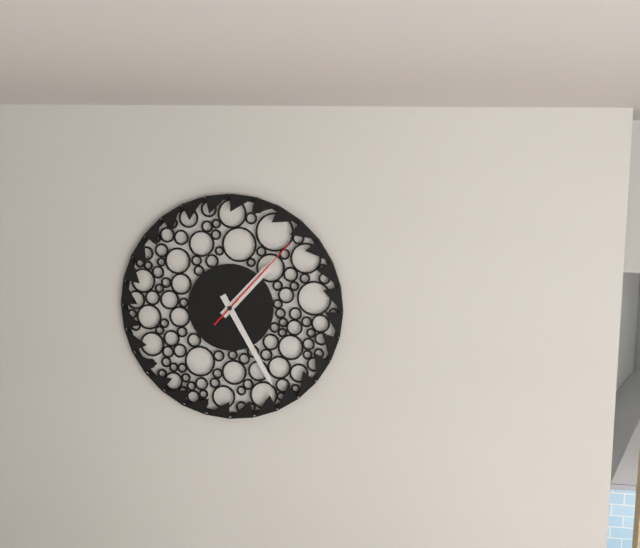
1:25:07
